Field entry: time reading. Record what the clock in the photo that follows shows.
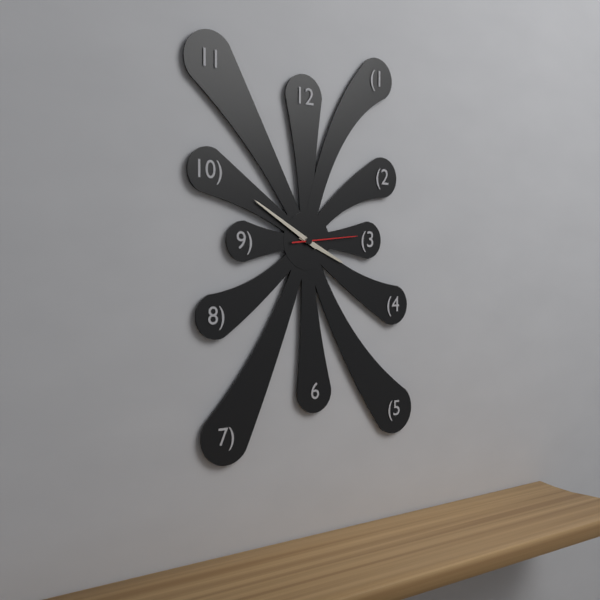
3:50:14
